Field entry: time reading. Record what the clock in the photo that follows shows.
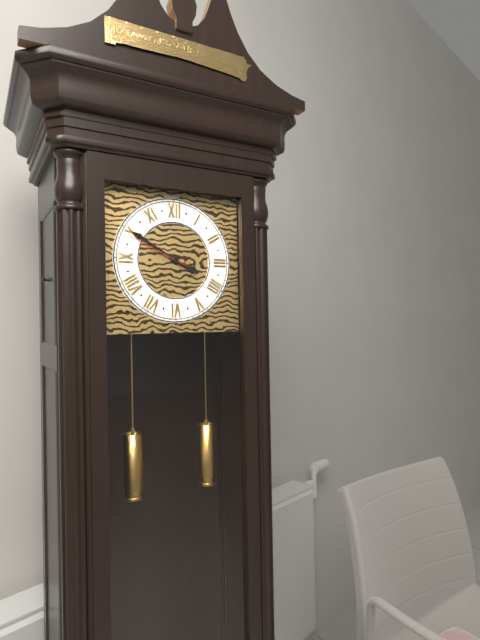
3:50:49
